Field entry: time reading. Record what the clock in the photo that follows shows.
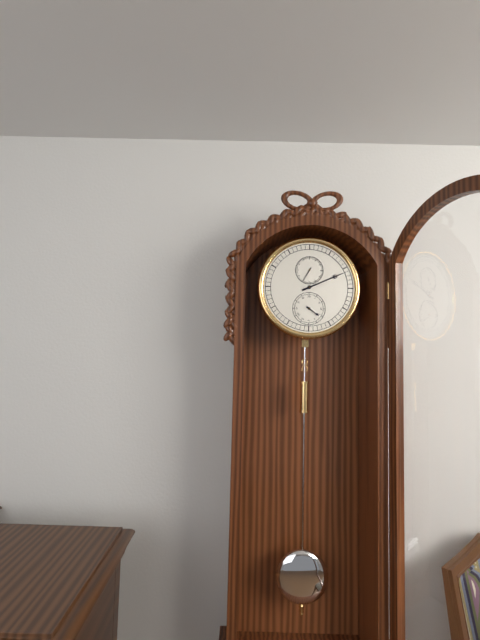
4:11
